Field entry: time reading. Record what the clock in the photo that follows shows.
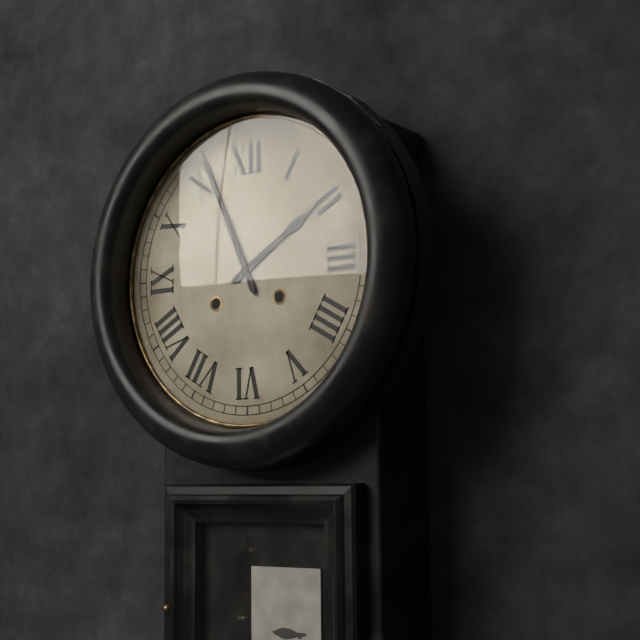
1:56
